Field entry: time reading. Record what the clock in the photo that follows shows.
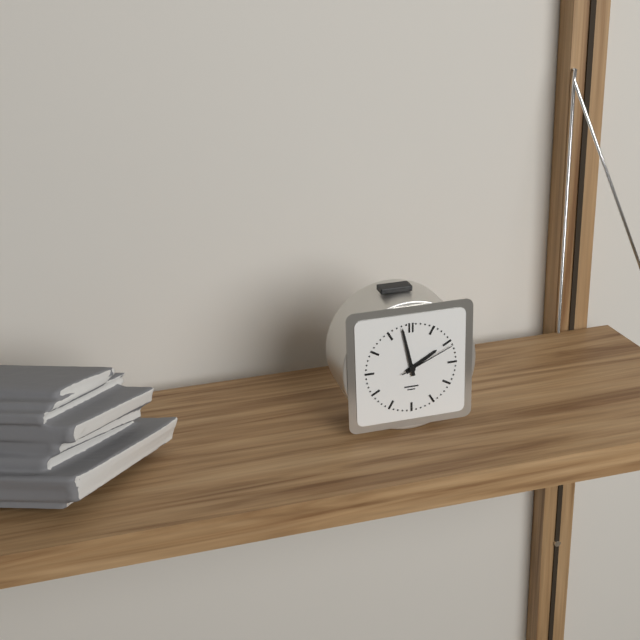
1:58:11
